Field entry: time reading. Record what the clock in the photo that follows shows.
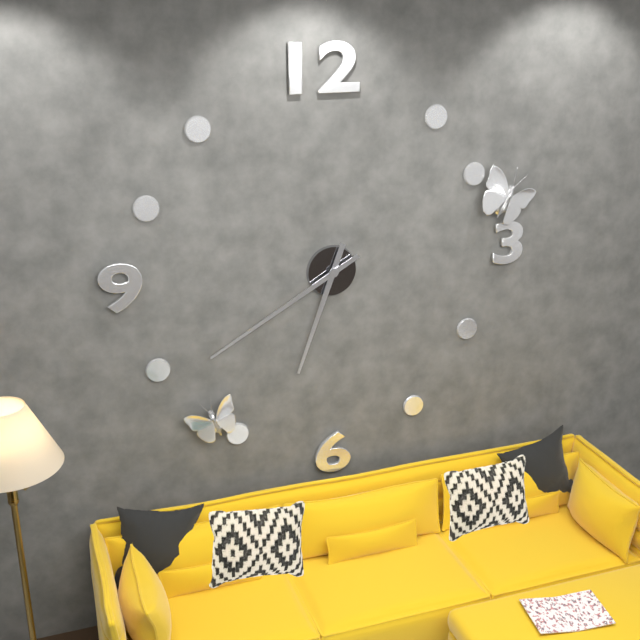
6:40
